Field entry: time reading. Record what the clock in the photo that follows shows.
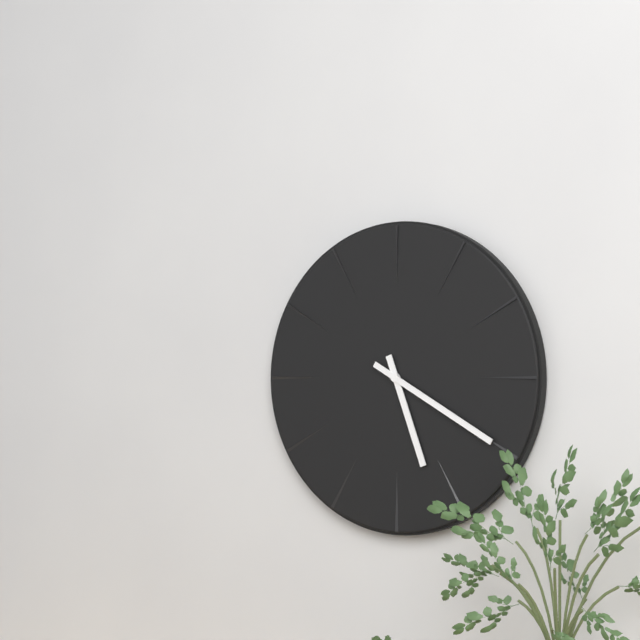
5:20
